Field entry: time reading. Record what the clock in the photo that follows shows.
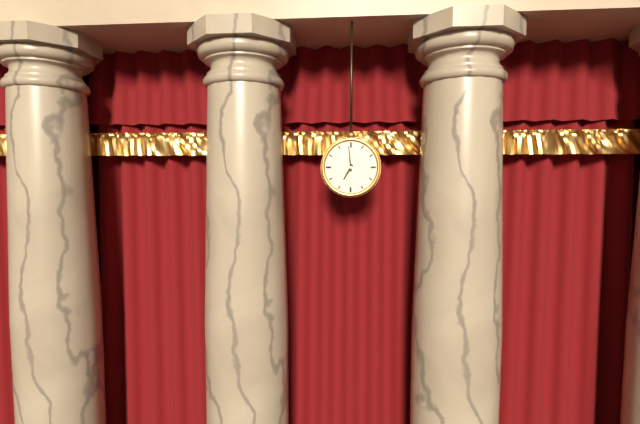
6:59
